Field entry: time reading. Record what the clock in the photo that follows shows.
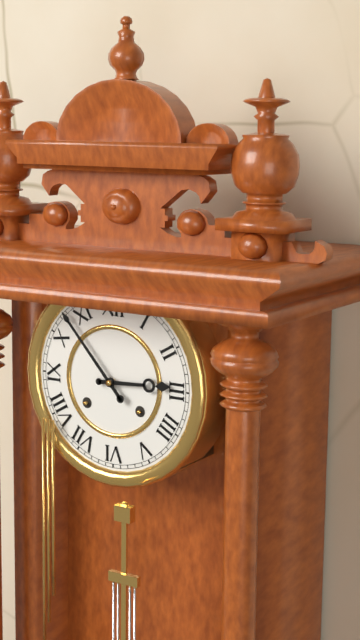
2:53
